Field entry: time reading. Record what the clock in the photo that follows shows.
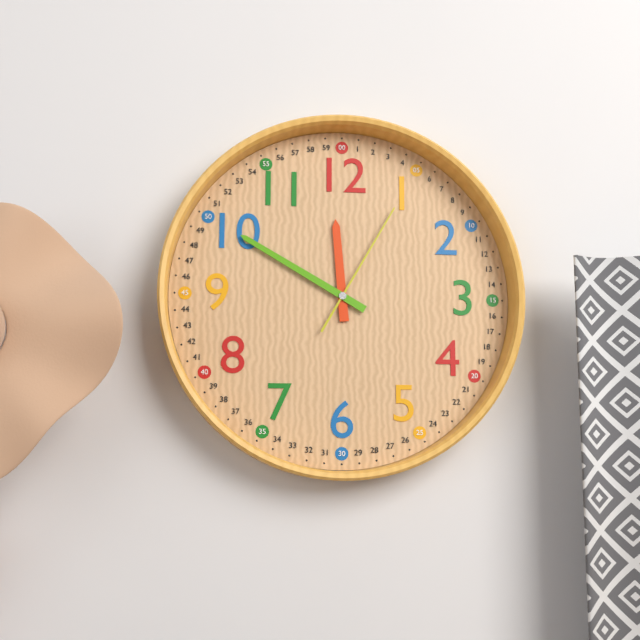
11:50:05
